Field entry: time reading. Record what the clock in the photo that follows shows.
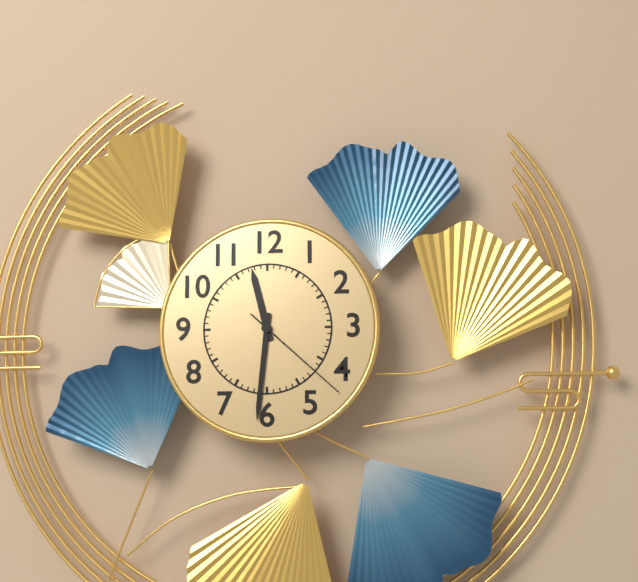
11:31:22
